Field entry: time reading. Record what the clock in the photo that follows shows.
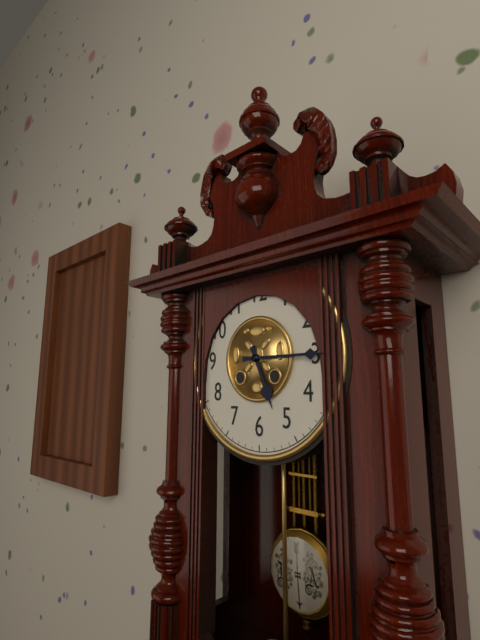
5:15
